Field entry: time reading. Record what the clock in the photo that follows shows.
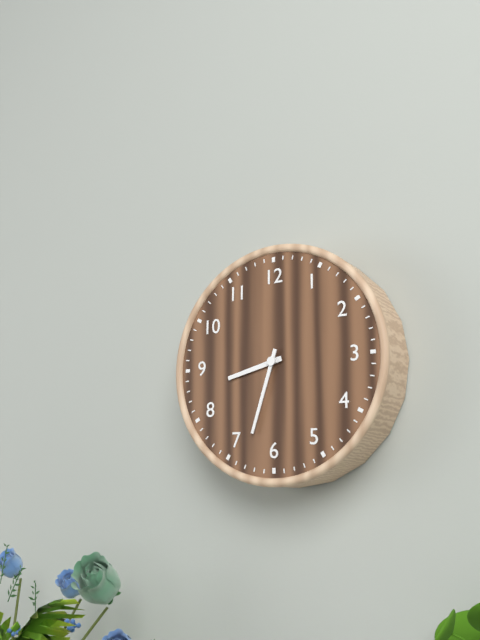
8:33
